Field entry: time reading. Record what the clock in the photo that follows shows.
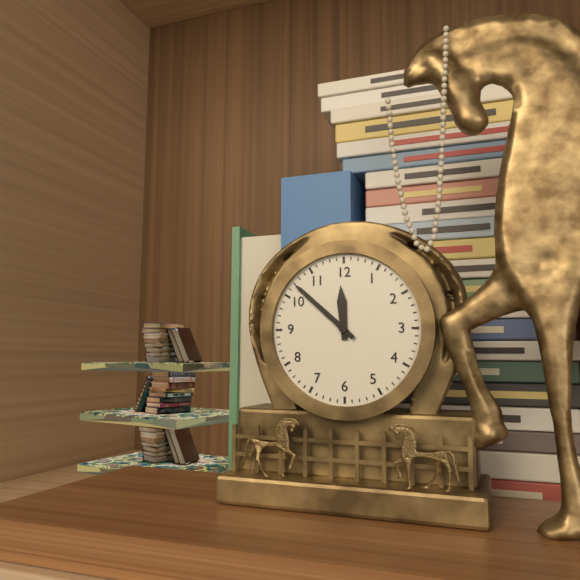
11:52
